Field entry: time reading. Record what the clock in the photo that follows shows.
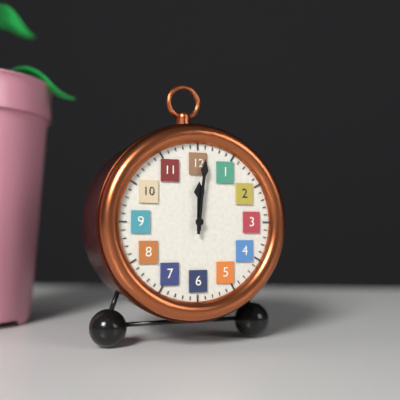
12:01
